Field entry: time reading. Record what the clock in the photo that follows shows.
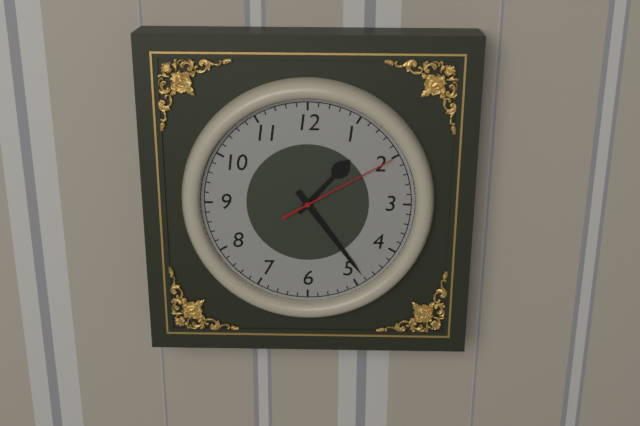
1:24:10
